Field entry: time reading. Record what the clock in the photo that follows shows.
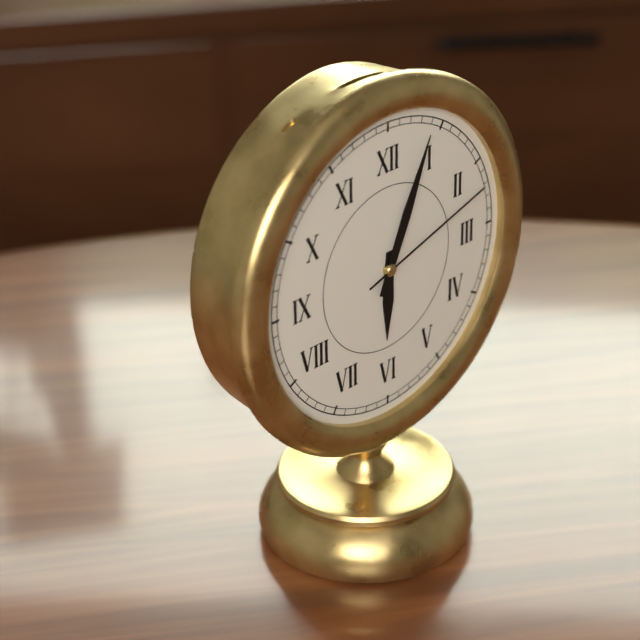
6:04:12
